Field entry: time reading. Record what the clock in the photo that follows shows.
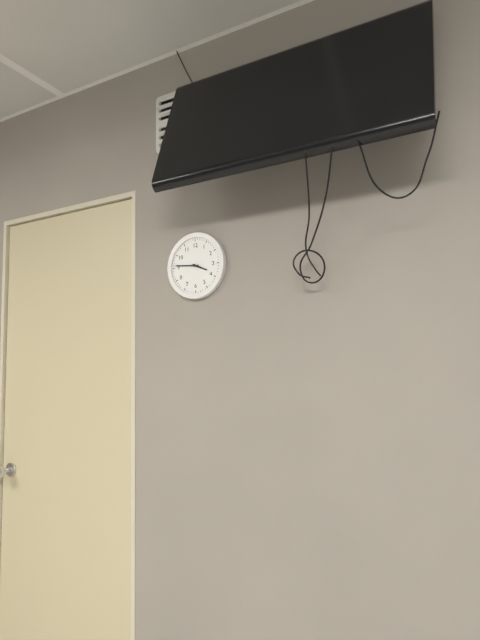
3:46
